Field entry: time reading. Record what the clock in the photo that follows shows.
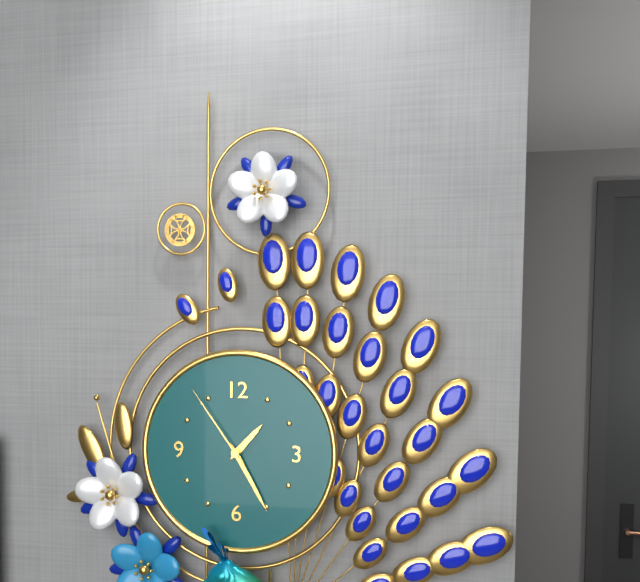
1:25:54
